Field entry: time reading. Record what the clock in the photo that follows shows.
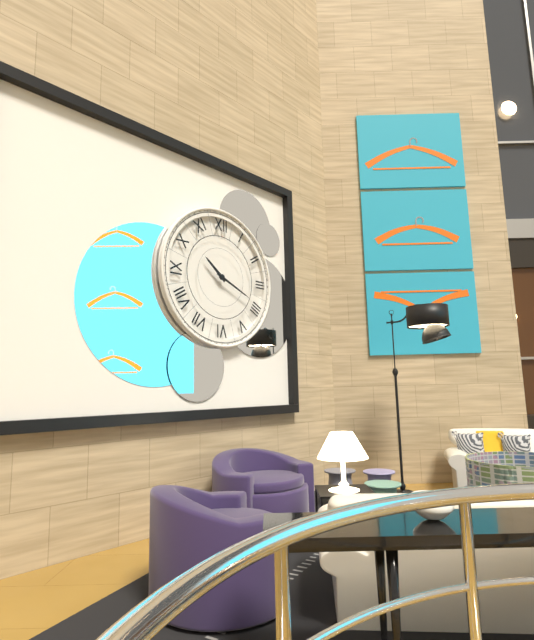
10:19
